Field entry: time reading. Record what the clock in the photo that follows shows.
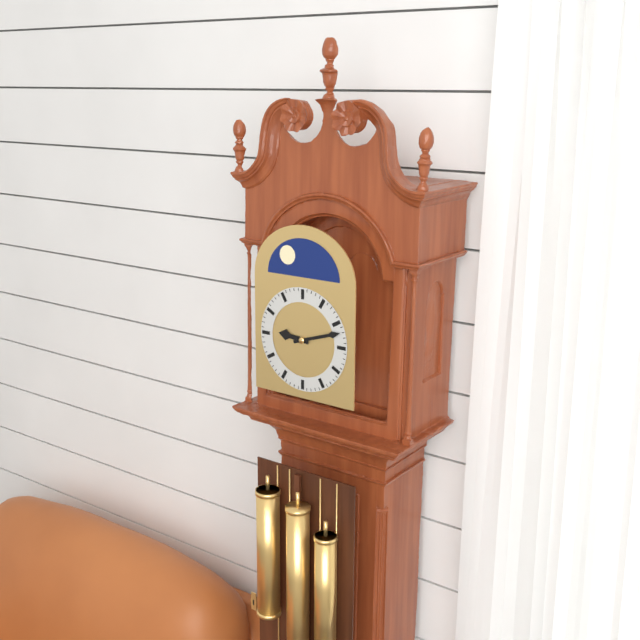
9:12
